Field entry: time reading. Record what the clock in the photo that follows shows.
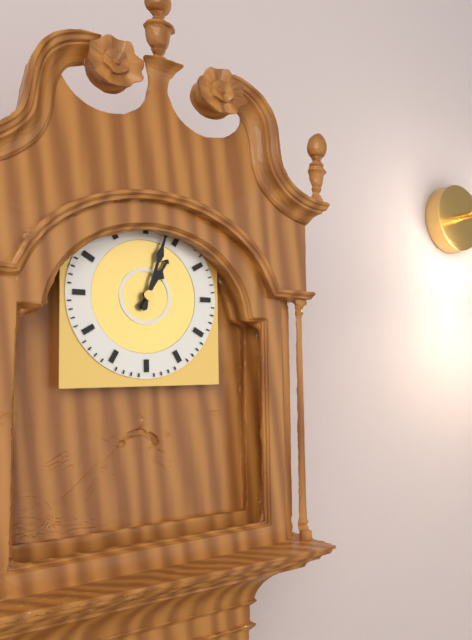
1:03
